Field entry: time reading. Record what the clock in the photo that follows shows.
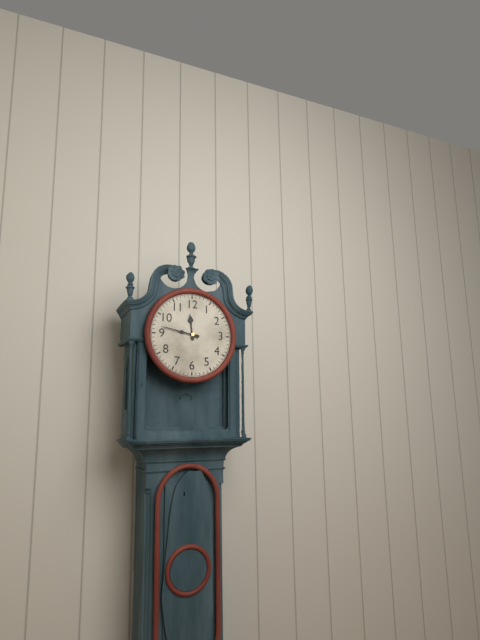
11:47
